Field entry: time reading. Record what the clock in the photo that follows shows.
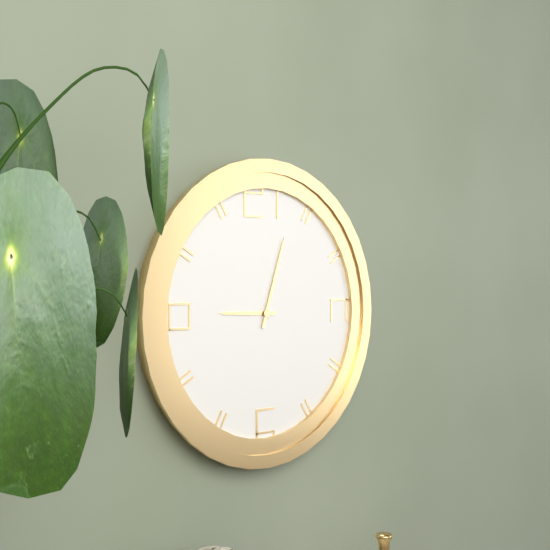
9:03
